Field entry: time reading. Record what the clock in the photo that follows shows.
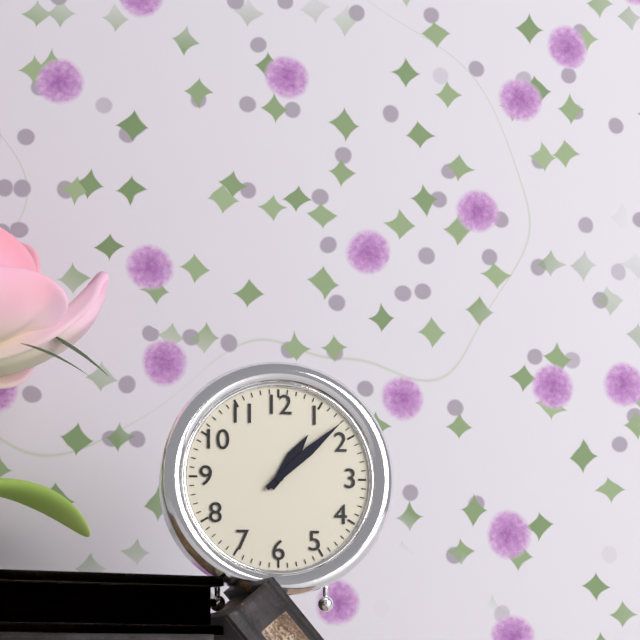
1:08
